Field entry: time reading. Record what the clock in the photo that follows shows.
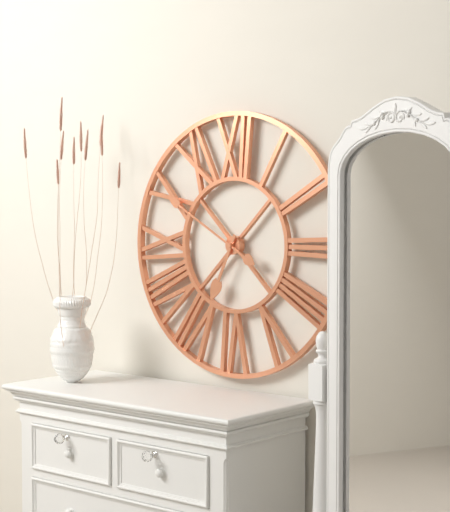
6:50
